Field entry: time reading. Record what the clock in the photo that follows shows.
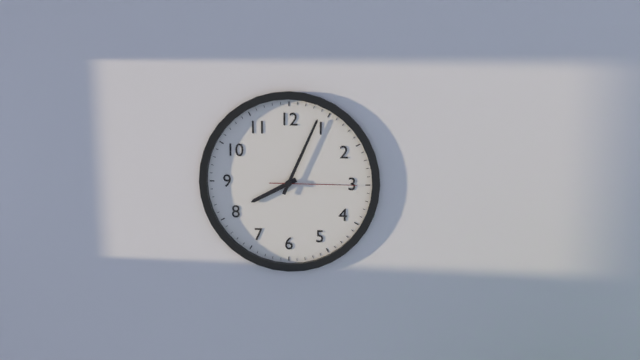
8:04:15
